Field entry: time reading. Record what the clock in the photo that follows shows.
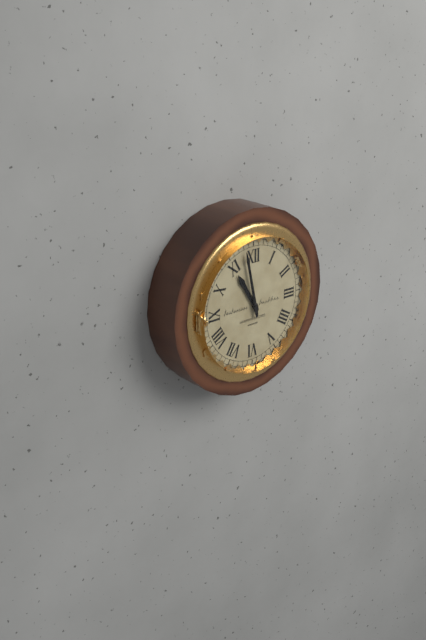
10:58
